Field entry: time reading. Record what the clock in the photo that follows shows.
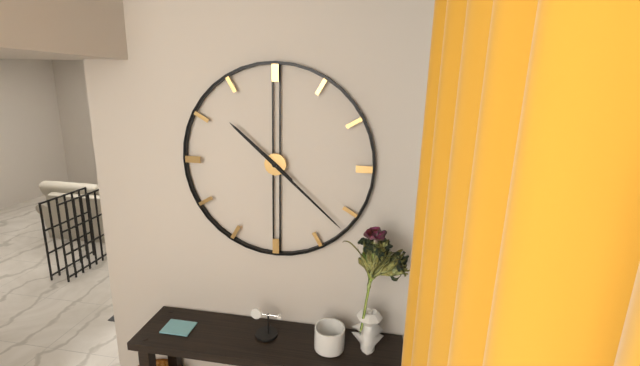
10:22
